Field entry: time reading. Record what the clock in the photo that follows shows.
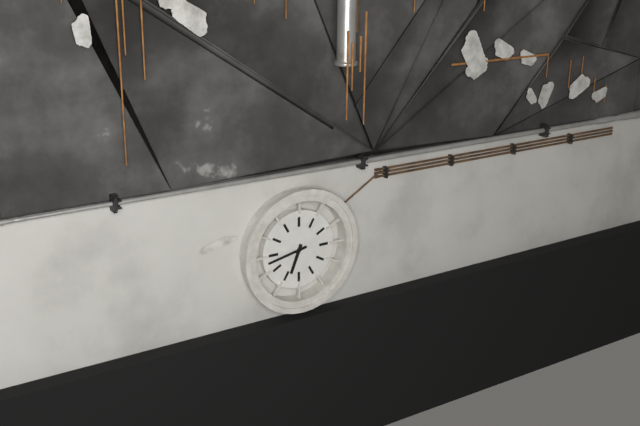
6:43
